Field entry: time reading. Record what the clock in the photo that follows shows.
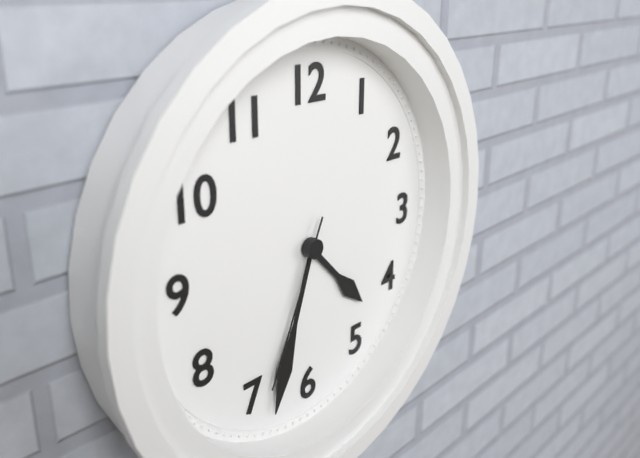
4:33:34
